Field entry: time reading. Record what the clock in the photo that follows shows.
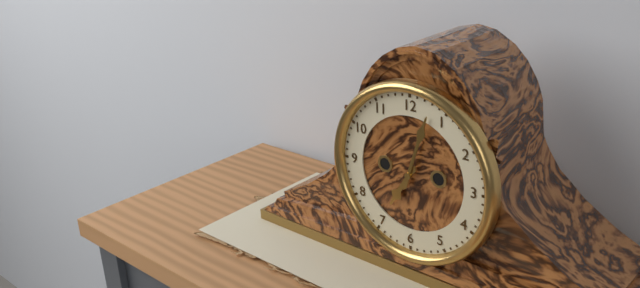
7:03
